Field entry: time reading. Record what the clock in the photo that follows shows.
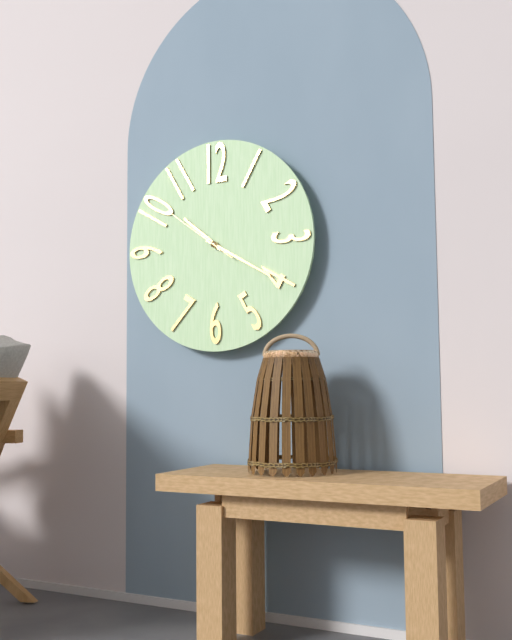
10:20:51
